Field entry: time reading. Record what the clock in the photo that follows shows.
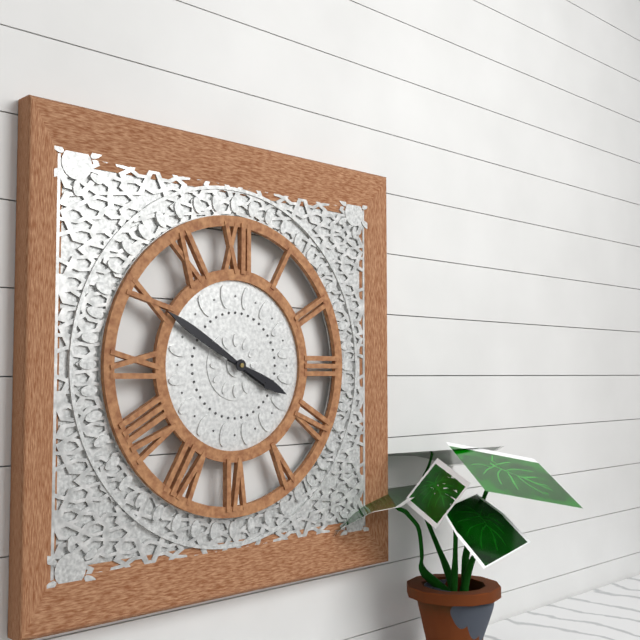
3:50
